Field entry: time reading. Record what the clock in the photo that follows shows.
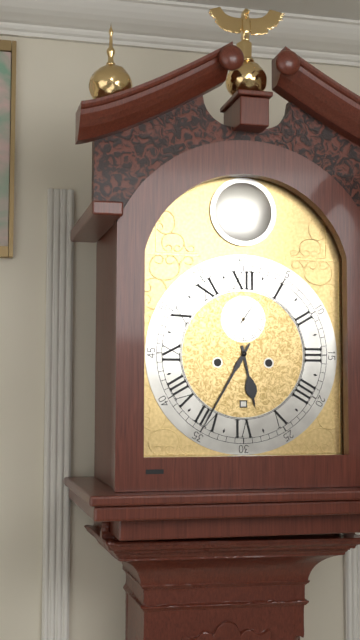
5:35
